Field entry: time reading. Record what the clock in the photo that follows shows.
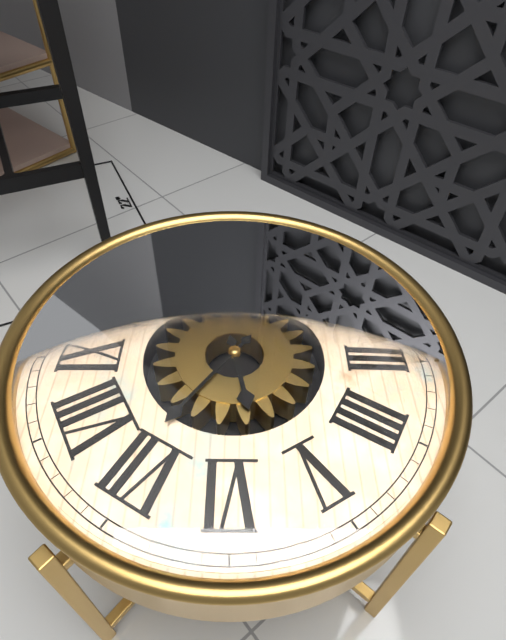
5:36
